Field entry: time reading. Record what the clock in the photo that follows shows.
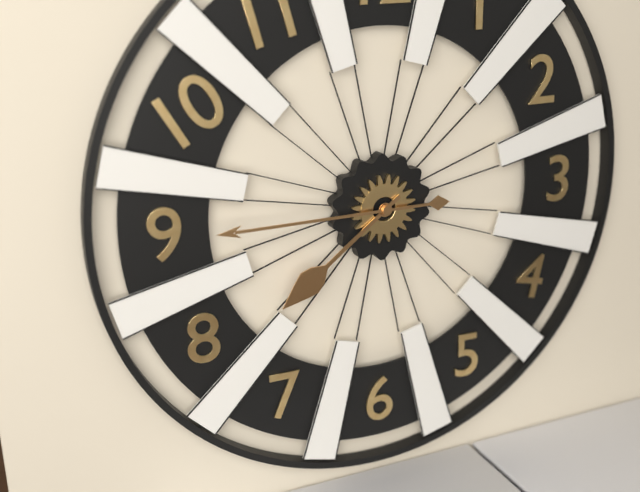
7:45
